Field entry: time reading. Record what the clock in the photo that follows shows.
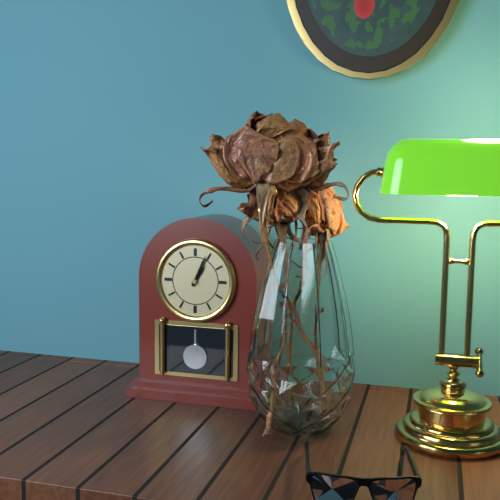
1:04
